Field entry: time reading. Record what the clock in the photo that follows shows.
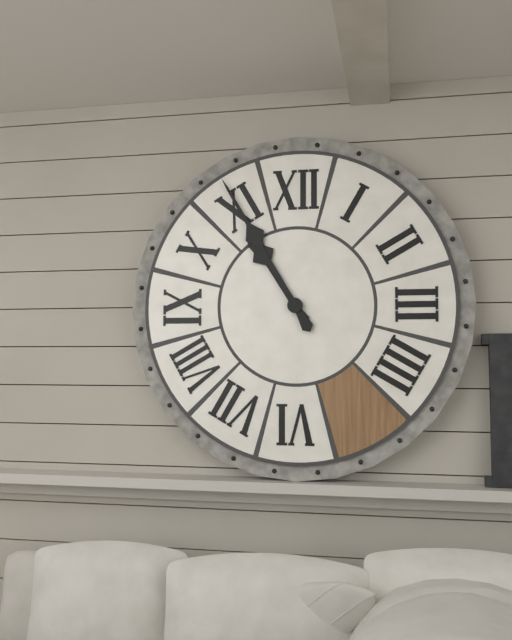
10:55
